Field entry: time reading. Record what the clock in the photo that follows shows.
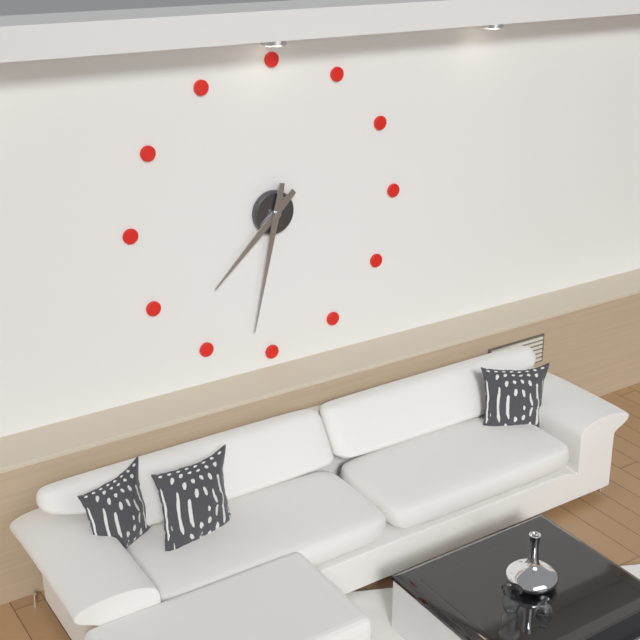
7:32
